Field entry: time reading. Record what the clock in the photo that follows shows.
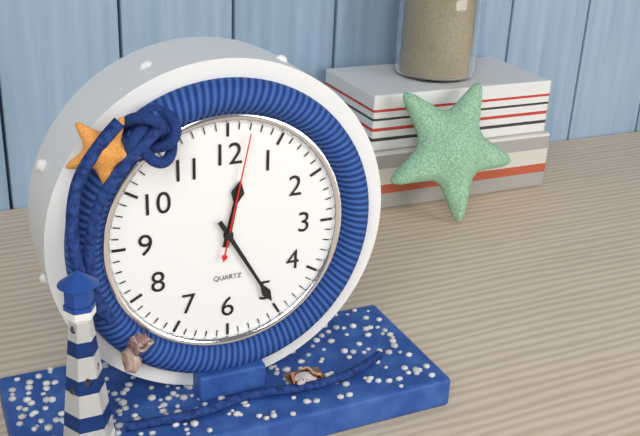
12:25:02
